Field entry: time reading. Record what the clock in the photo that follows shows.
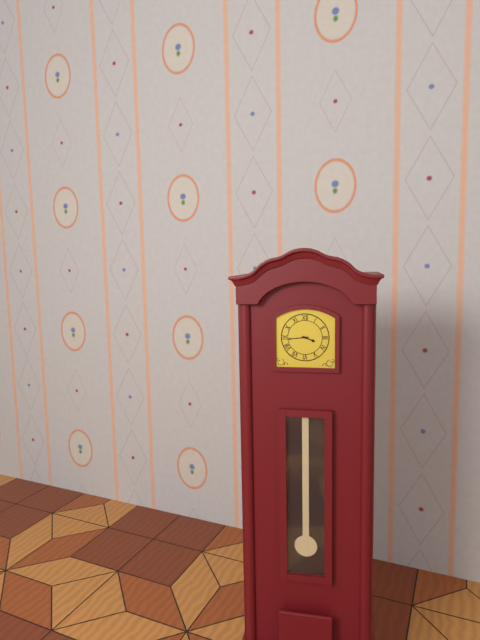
3:44
